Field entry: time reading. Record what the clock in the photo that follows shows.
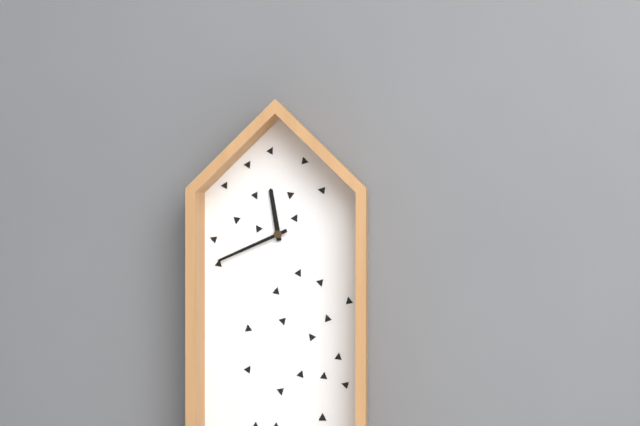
11:41
